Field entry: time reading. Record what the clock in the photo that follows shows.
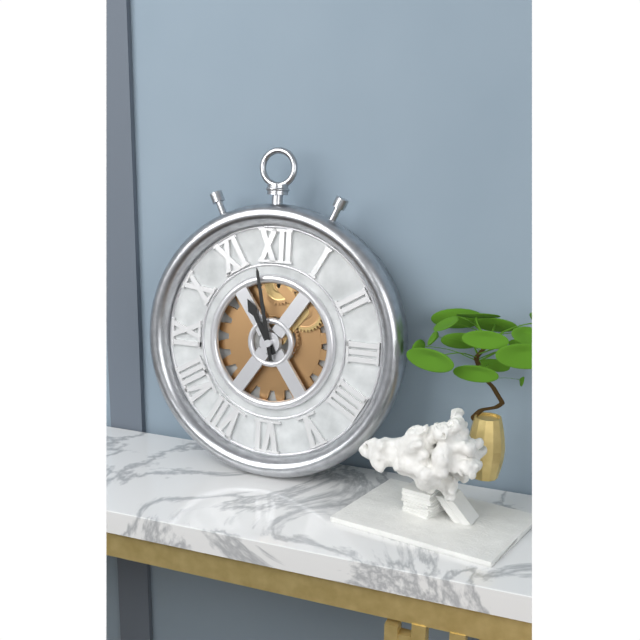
10:58
